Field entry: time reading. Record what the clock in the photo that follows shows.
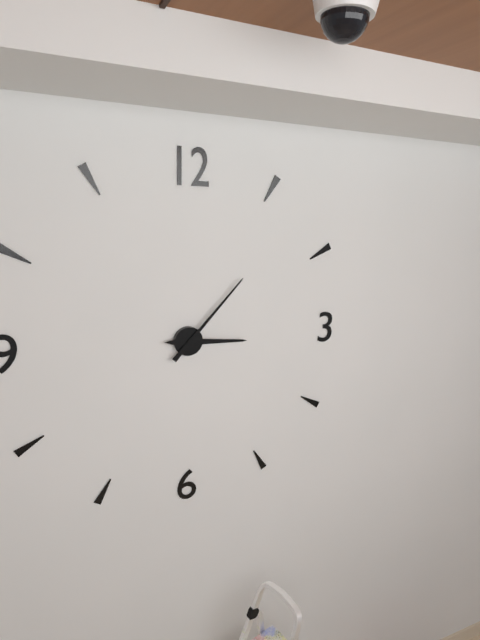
3:07
